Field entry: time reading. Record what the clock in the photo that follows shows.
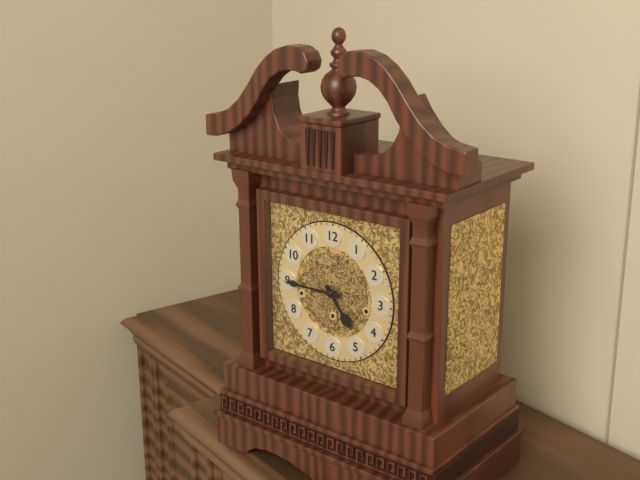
4:45
